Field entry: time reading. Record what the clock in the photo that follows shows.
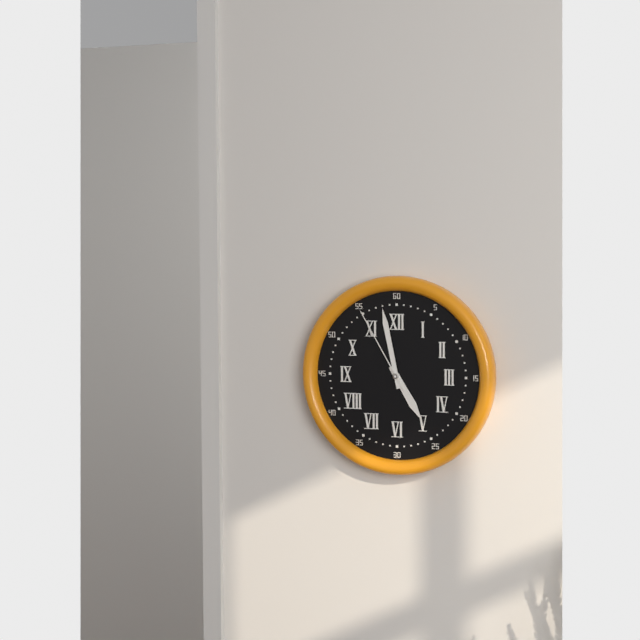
4:58:55
